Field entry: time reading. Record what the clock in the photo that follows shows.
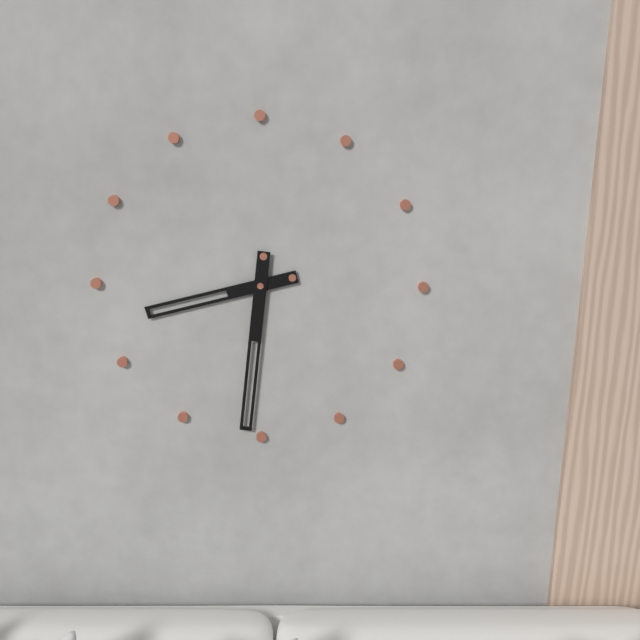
8:31
